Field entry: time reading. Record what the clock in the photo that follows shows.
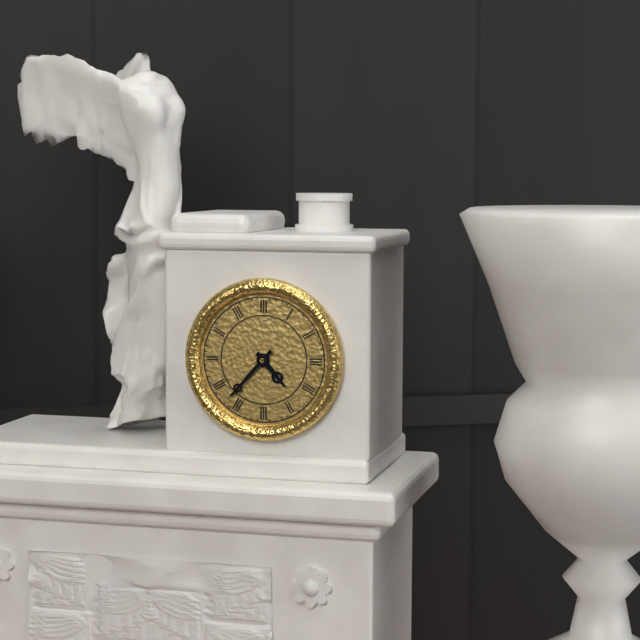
4:37
